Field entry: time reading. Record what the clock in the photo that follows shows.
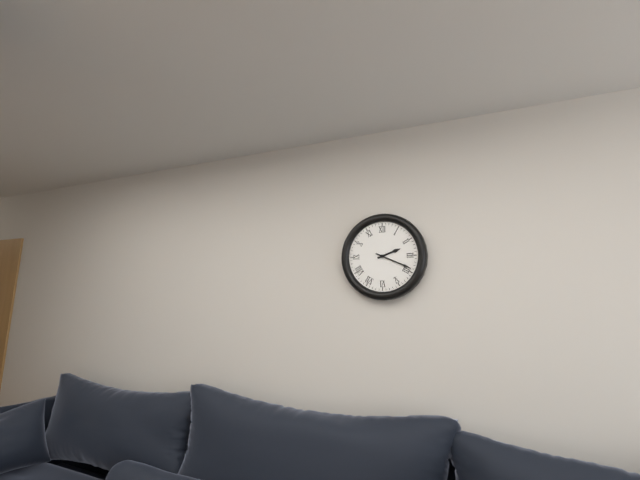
2:19
